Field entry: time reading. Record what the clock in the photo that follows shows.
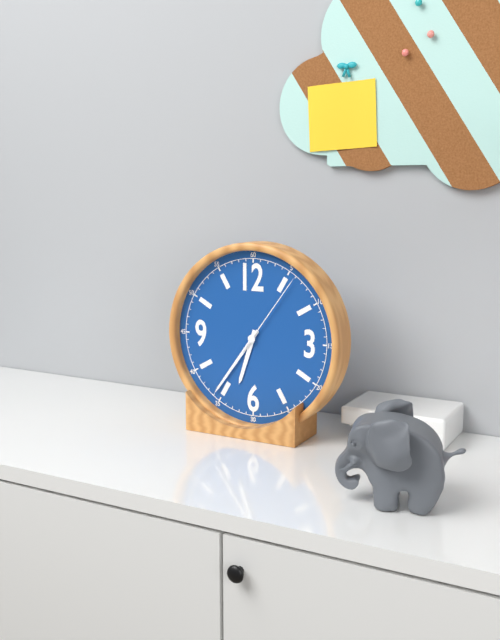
6:36:06
